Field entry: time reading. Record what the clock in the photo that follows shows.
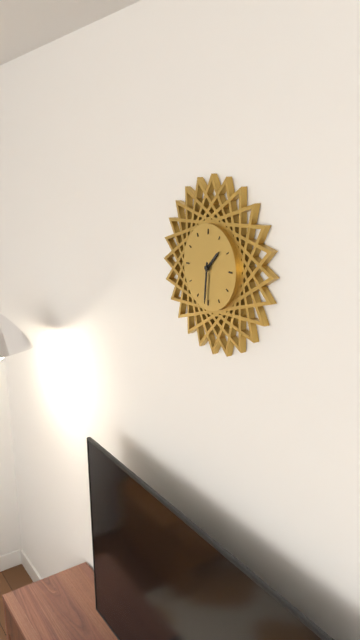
1:31
